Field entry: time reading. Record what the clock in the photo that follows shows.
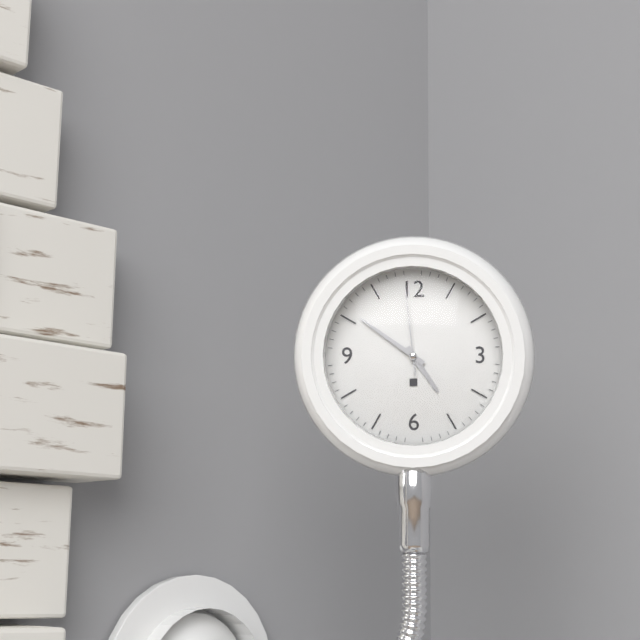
4:51:59
